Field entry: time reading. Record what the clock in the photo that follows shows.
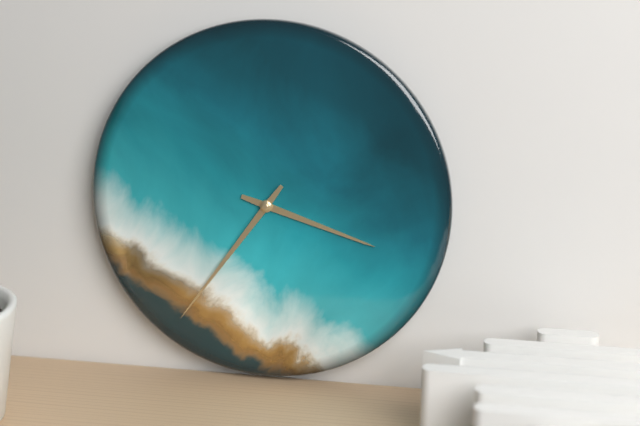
3:36
